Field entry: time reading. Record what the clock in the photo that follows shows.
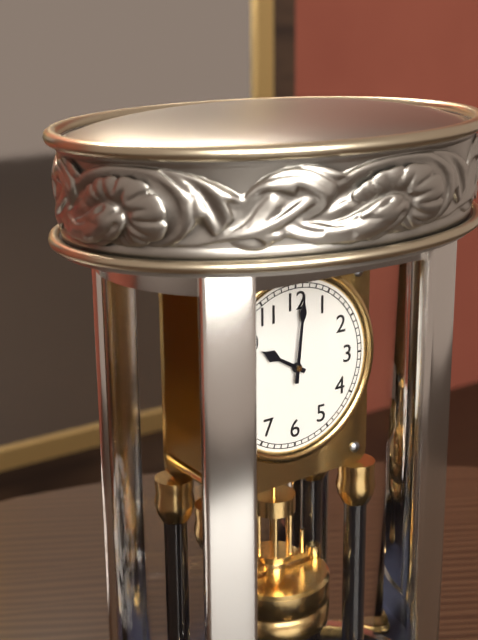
10:01
